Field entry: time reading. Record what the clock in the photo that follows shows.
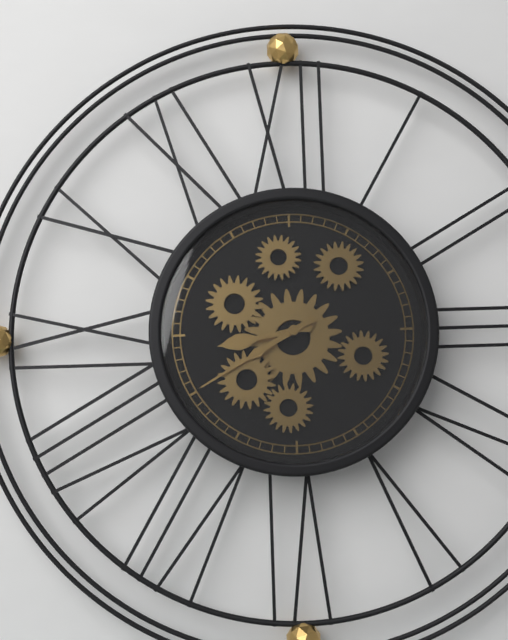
8:40
